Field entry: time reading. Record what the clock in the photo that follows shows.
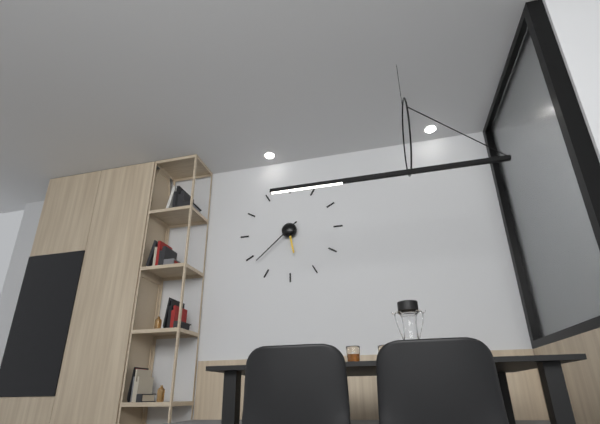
5:38
